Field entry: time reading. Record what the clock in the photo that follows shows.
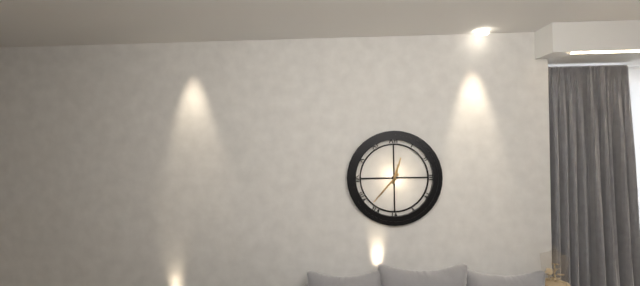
12:37
